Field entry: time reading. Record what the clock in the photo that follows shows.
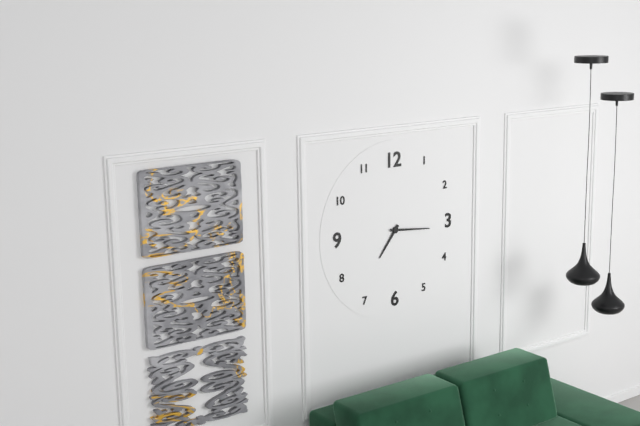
7:16
